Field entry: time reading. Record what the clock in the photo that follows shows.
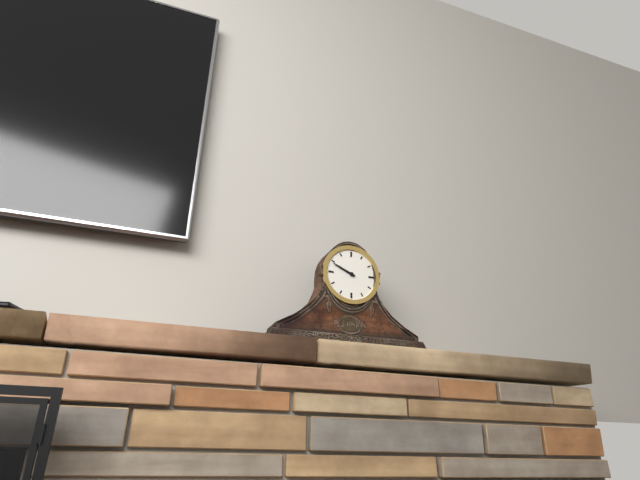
9:49
